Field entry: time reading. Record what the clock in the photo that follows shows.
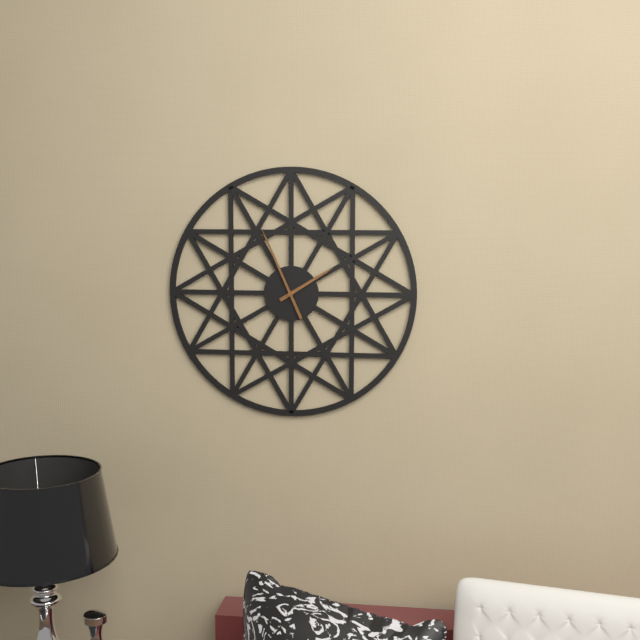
1:56
